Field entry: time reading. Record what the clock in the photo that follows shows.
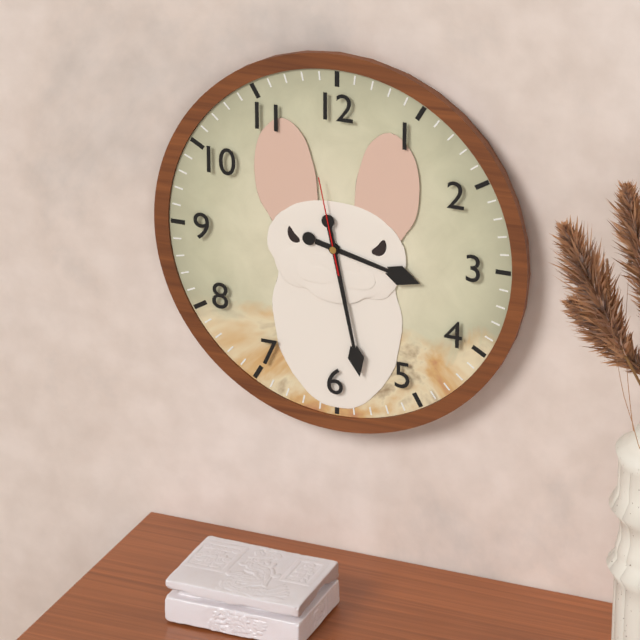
3:28:58
